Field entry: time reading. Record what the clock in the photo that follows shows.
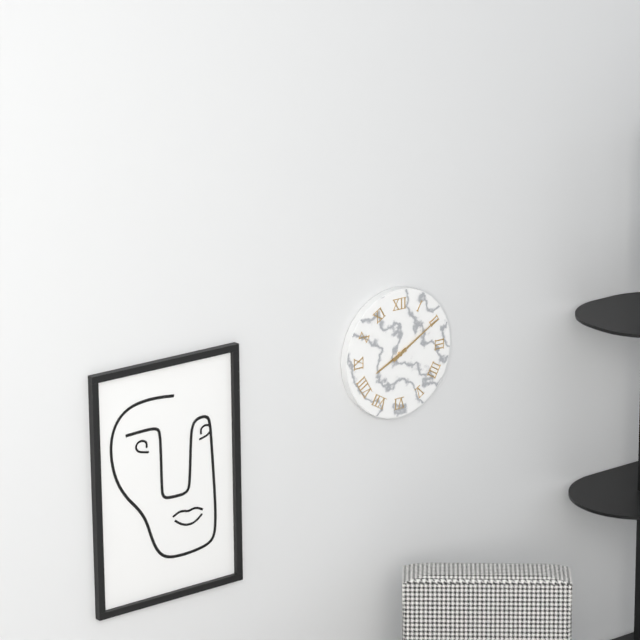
8:10
